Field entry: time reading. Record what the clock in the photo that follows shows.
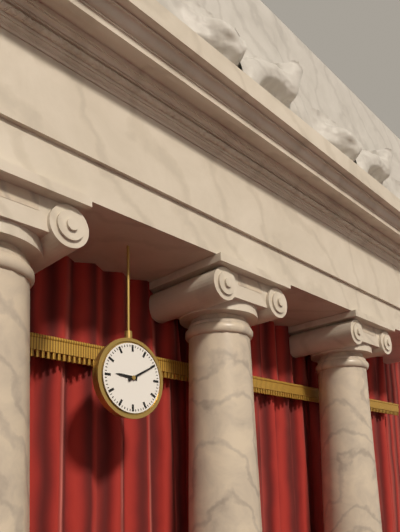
9:10
